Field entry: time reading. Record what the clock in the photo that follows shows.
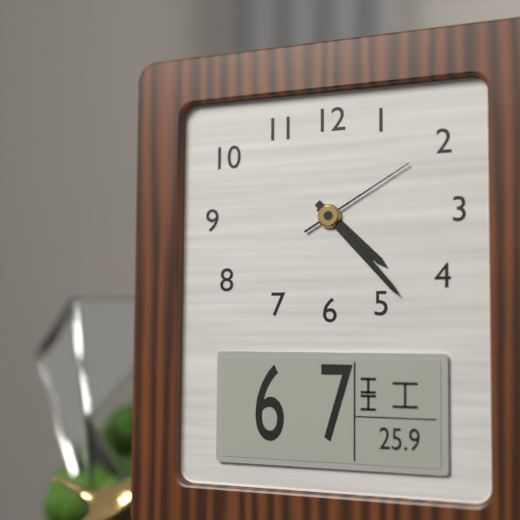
4:23:10
